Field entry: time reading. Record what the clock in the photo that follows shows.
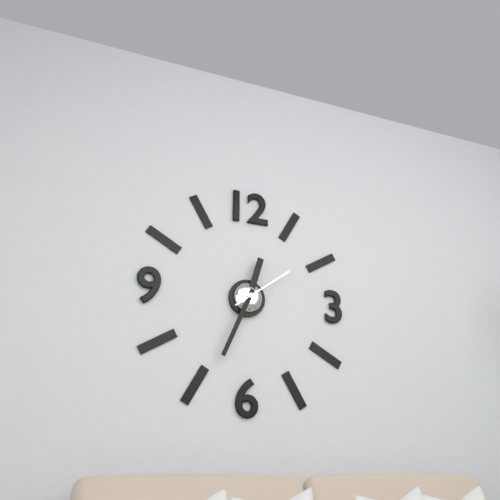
12:34:09
